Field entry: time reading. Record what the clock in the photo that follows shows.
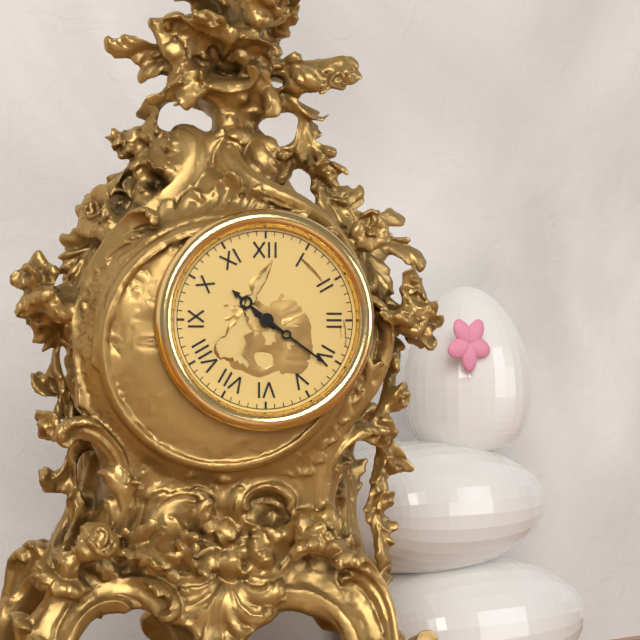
10:21
